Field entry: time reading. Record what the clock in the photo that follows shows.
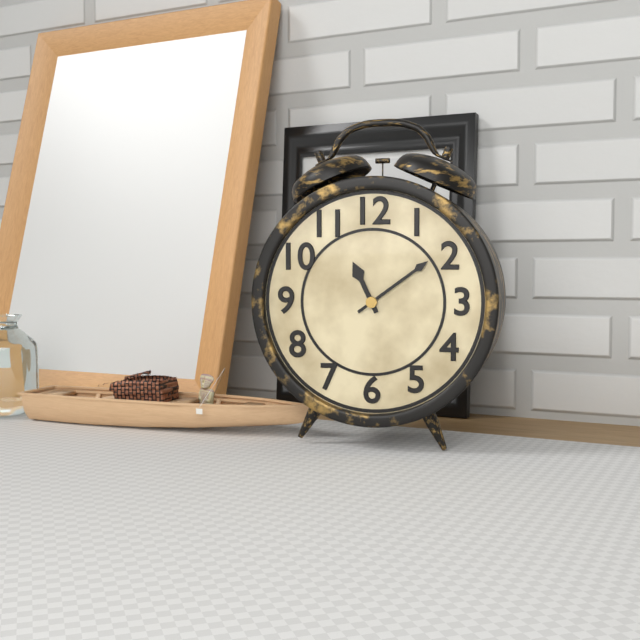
11:09
